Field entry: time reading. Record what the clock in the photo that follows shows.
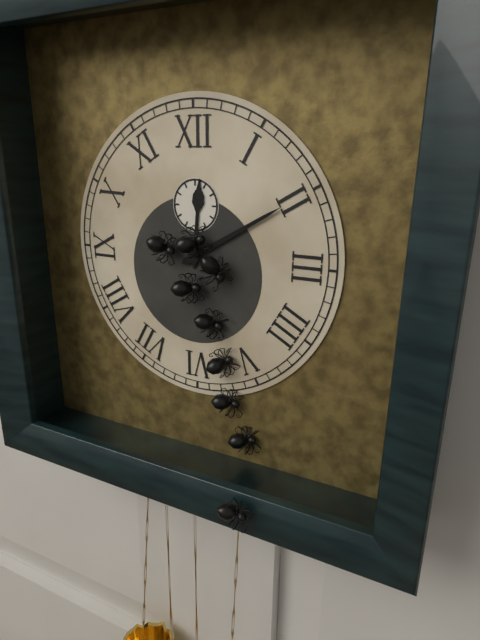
12:10
